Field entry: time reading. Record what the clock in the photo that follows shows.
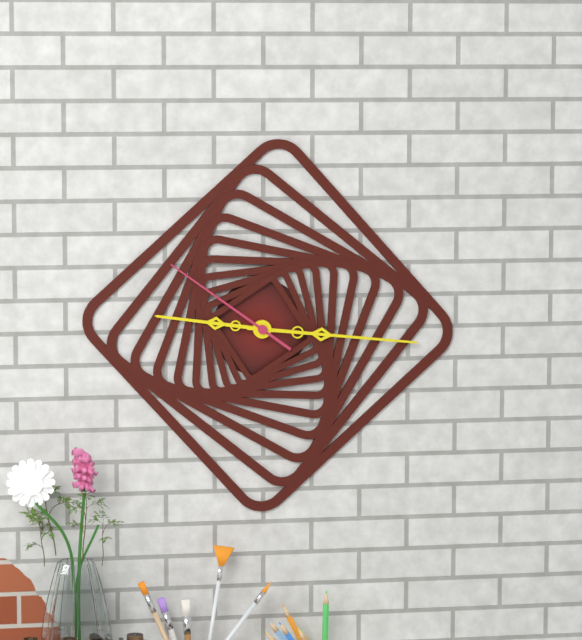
9:16:51
